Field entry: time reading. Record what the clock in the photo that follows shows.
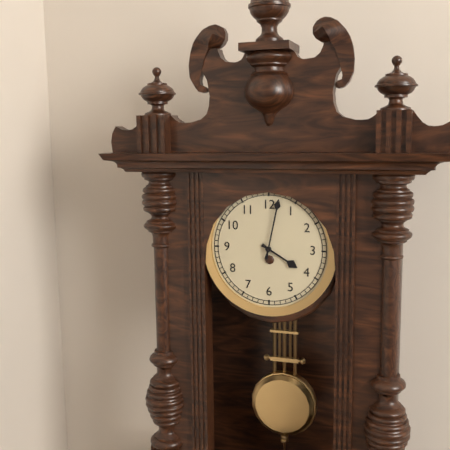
4:02
